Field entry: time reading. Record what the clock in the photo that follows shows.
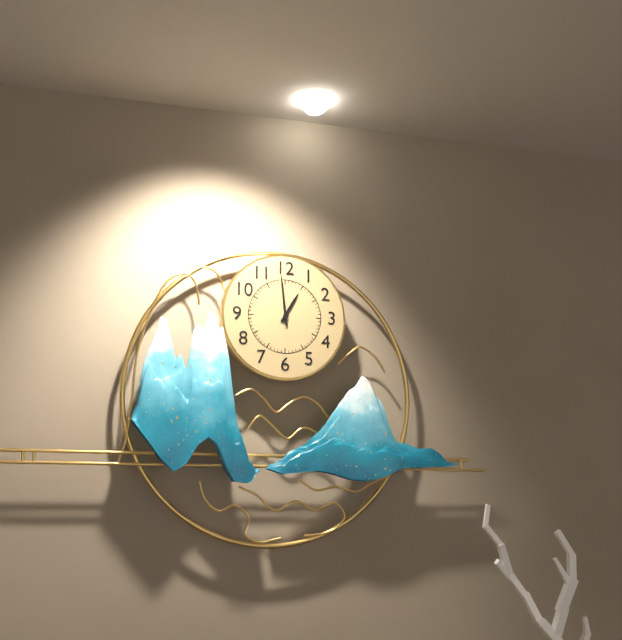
12:59
